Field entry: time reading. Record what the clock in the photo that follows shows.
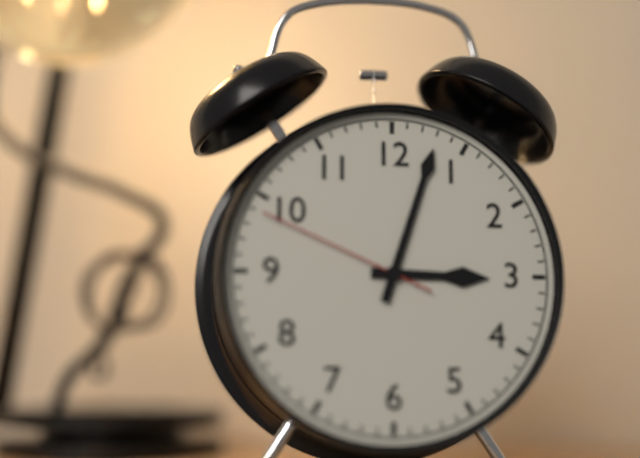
3:03:49
